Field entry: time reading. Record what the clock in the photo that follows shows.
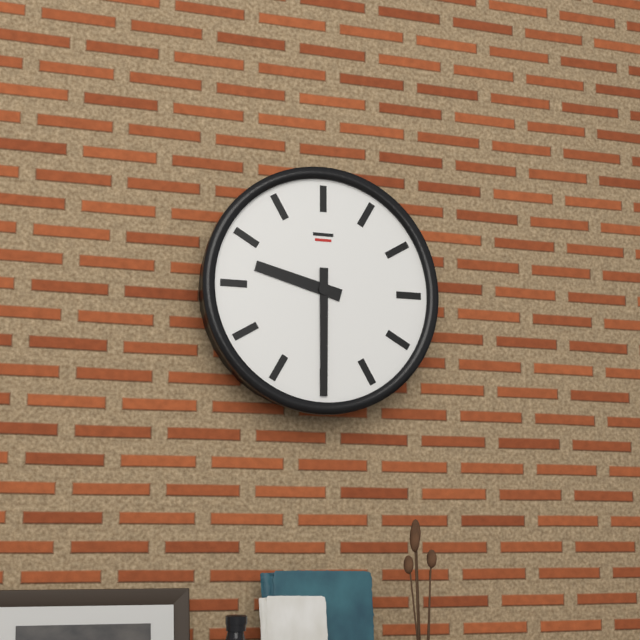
9:30
